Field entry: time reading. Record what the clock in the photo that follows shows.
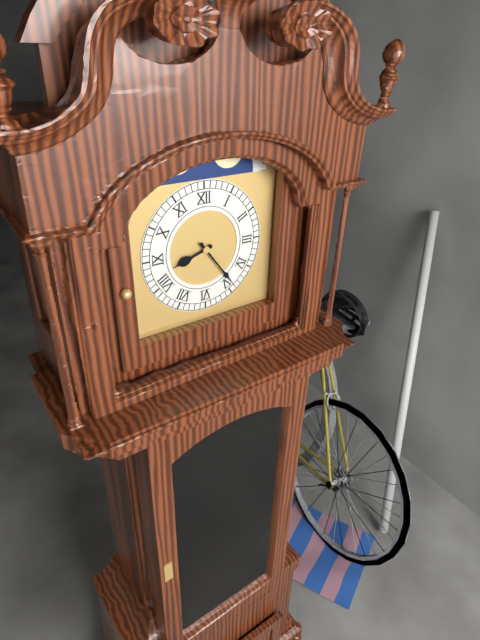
8:24
